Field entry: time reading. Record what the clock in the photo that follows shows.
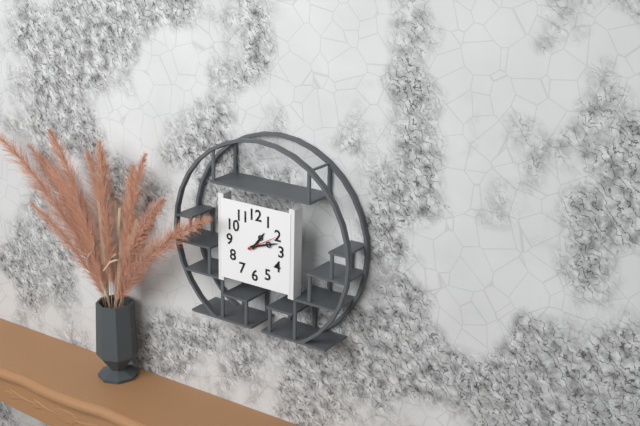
1:12
